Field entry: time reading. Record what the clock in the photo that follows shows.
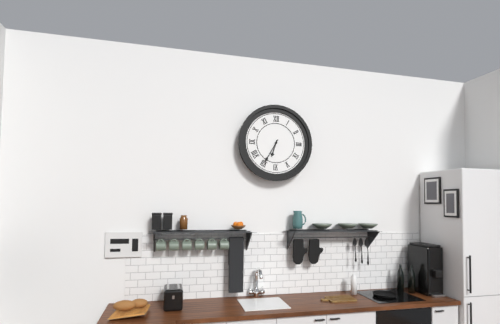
6:35
